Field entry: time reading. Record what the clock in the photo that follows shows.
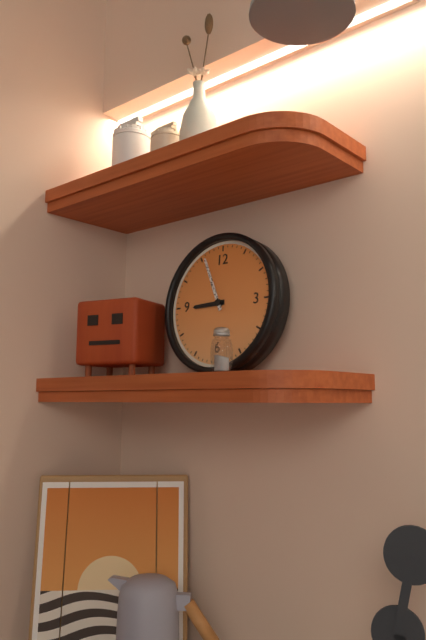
8:56
